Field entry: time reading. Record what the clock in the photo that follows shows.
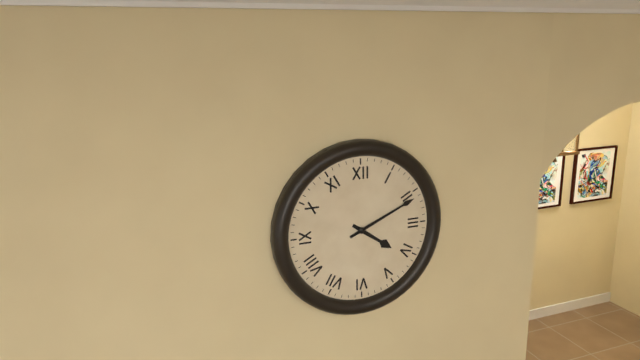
4:11
